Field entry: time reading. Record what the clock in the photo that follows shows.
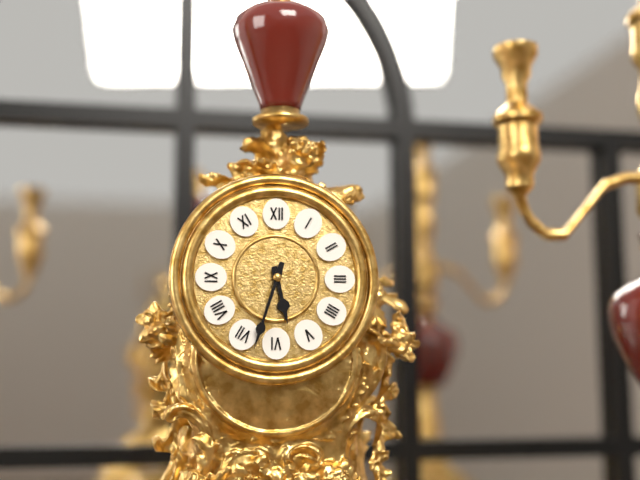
5:33
